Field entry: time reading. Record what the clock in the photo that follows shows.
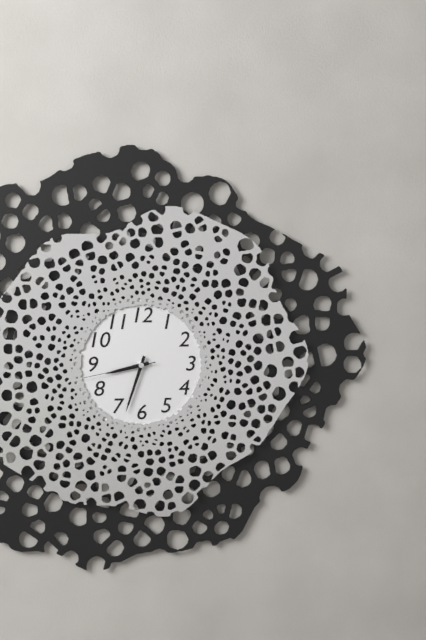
8:33:43
